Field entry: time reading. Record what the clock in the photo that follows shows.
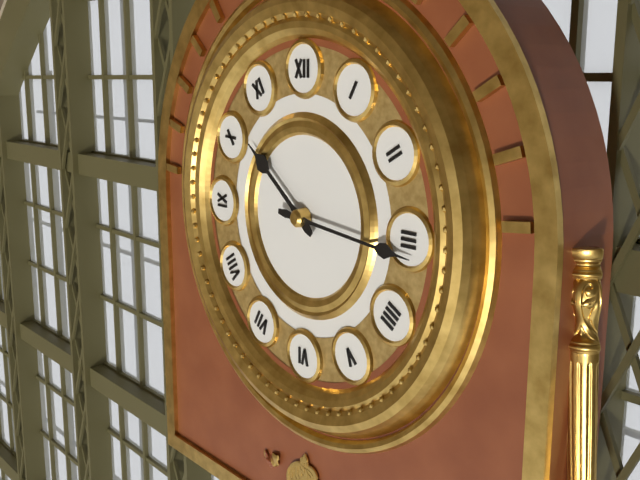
10:16
